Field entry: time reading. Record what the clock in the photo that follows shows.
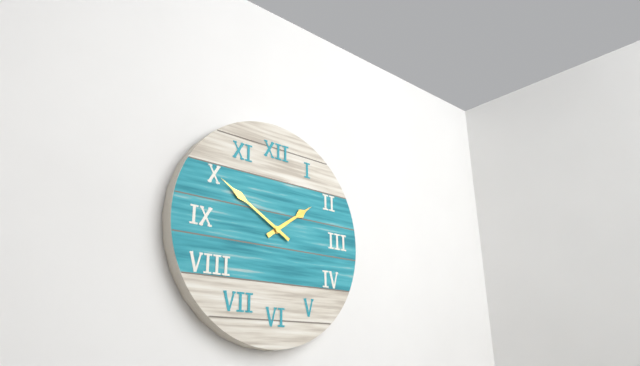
1:50
